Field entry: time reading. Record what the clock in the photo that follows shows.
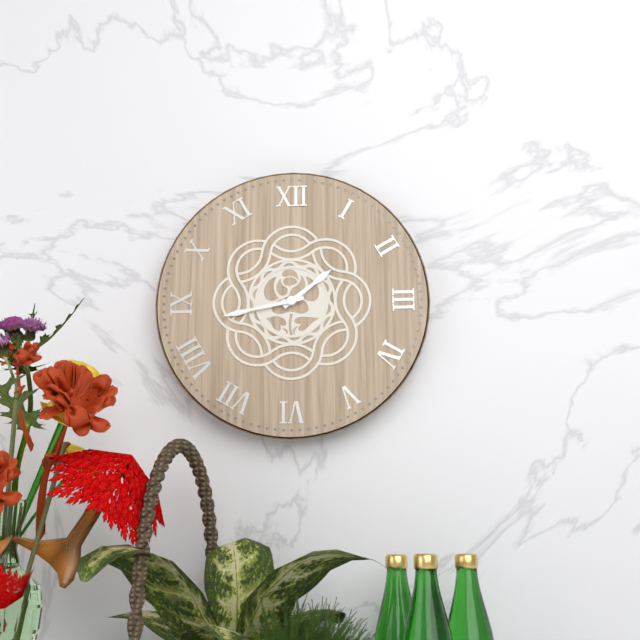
1:43
